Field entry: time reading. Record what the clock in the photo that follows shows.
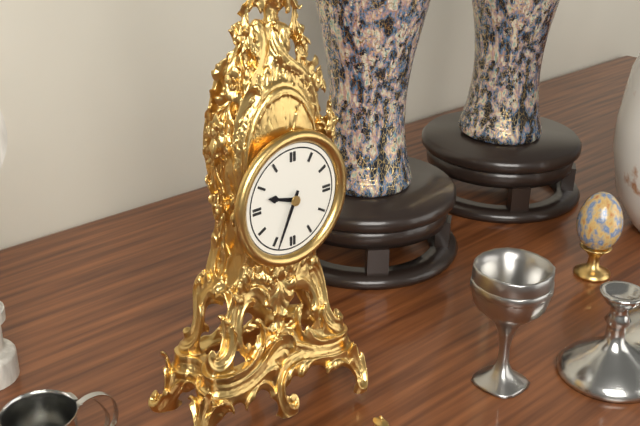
9:34
